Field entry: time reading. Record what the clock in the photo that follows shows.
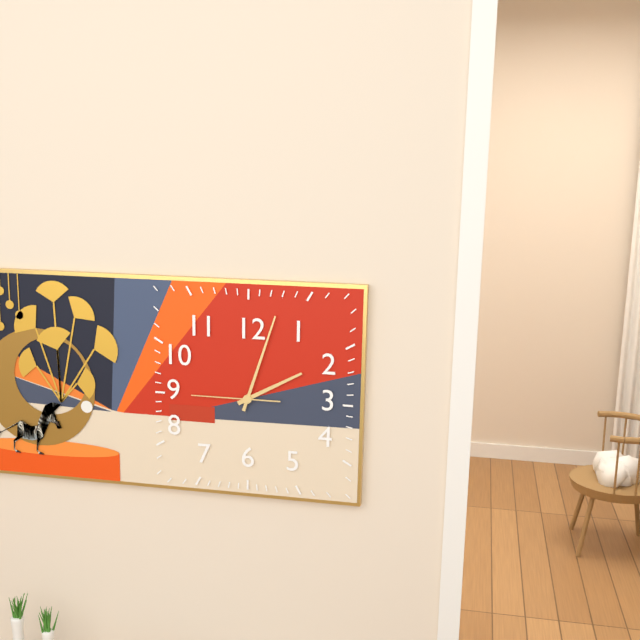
2:03:45
